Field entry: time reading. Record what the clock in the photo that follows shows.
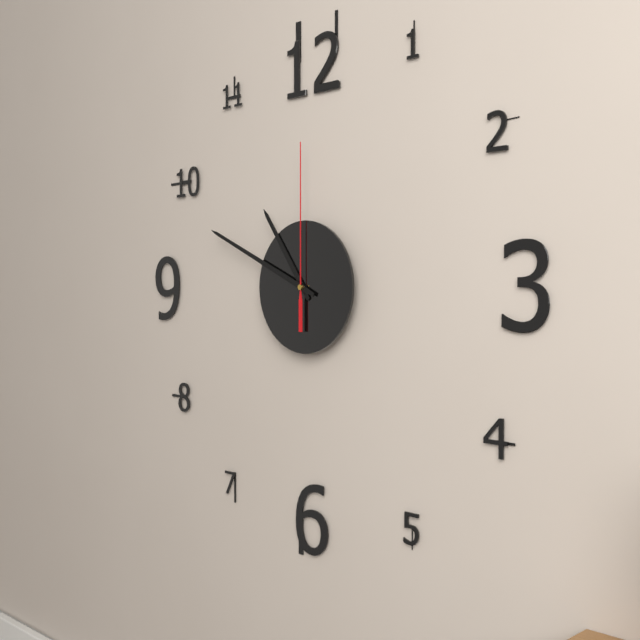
10:49:00
